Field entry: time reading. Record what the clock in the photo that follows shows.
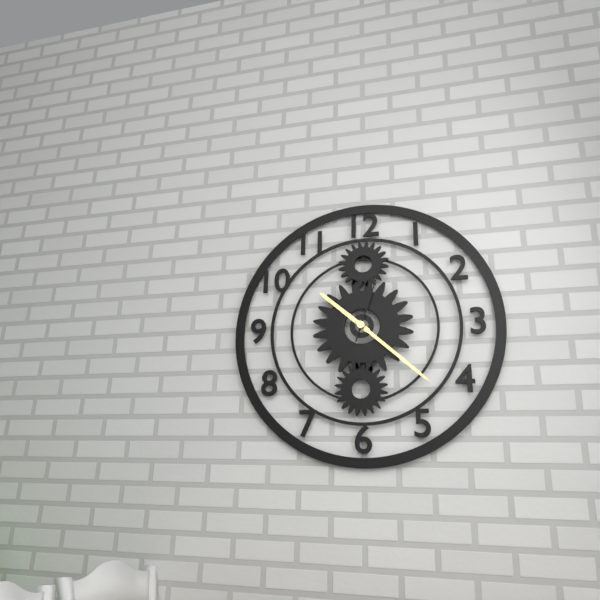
10:22:03
